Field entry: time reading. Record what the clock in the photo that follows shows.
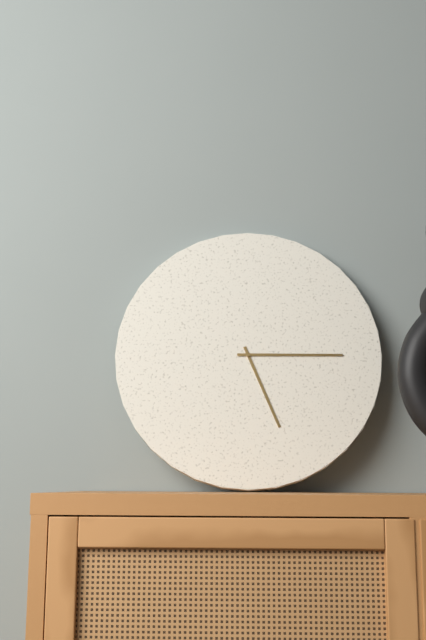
5:15
